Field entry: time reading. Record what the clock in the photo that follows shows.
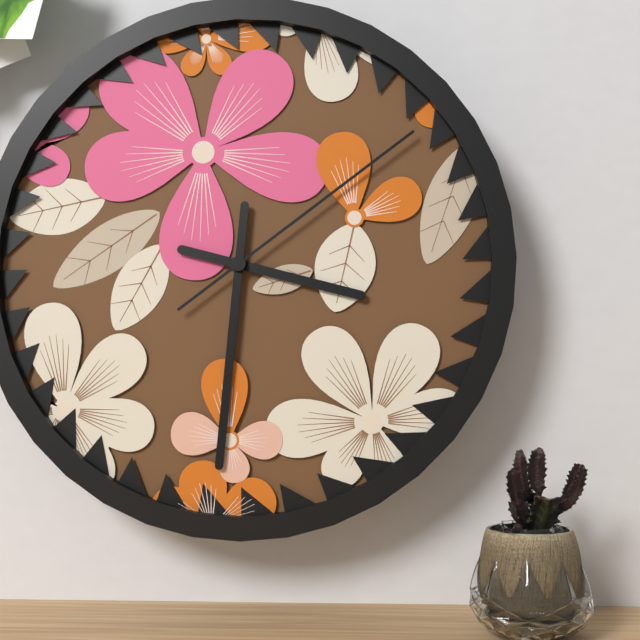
3:31:09
